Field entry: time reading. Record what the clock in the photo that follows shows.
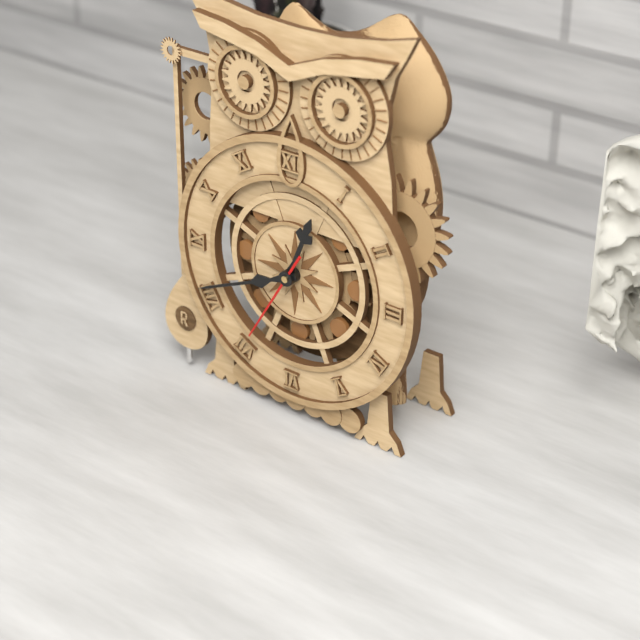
12:41:35
